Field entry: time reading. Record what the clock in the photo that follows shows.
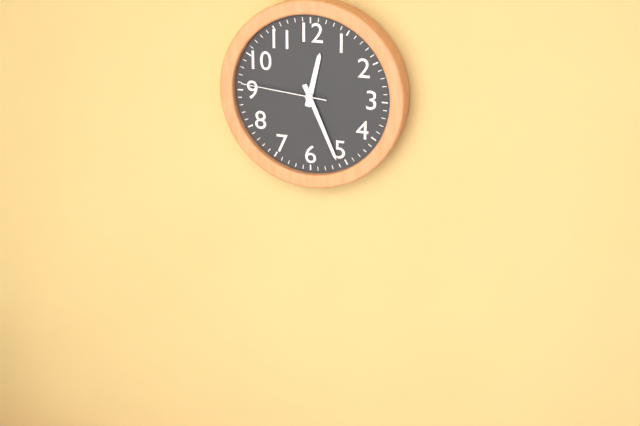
12:26:46
